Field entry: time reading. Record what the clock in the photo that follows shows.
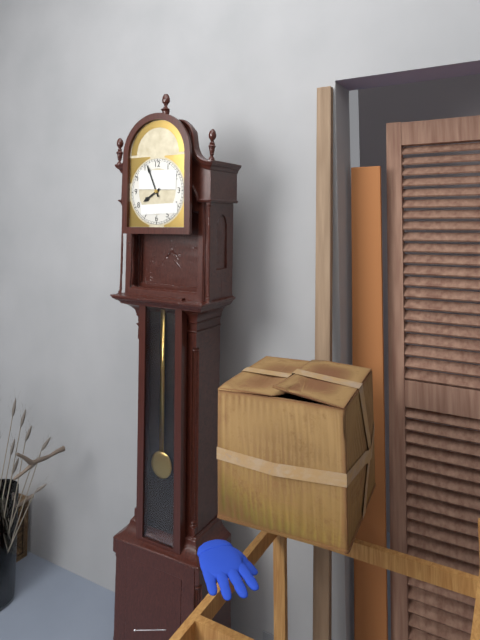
7:56
